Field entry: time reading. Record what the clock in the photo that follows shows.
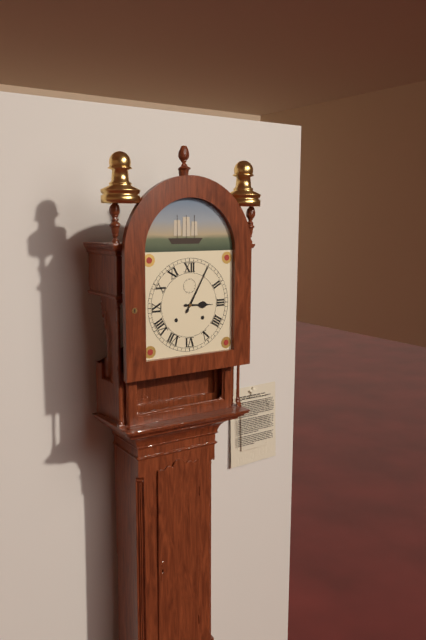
3:05
